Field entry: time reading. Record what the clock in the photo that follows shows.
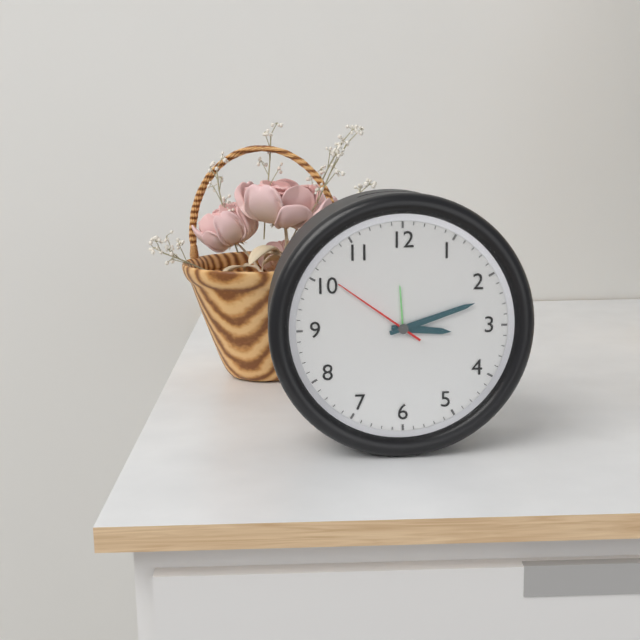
3:12:51
